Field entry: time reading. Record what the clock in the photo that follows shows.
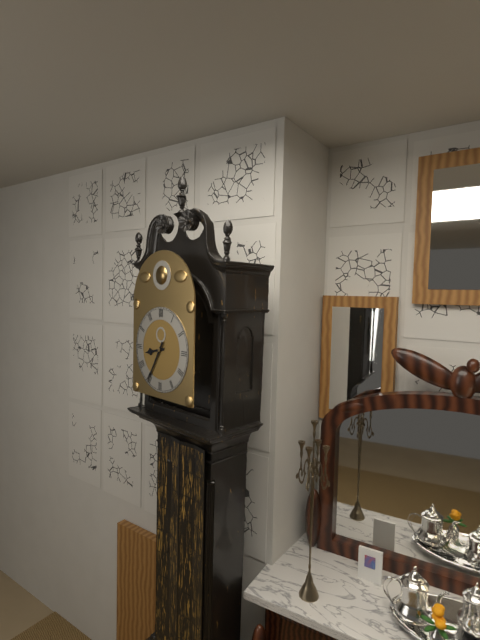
8:35
